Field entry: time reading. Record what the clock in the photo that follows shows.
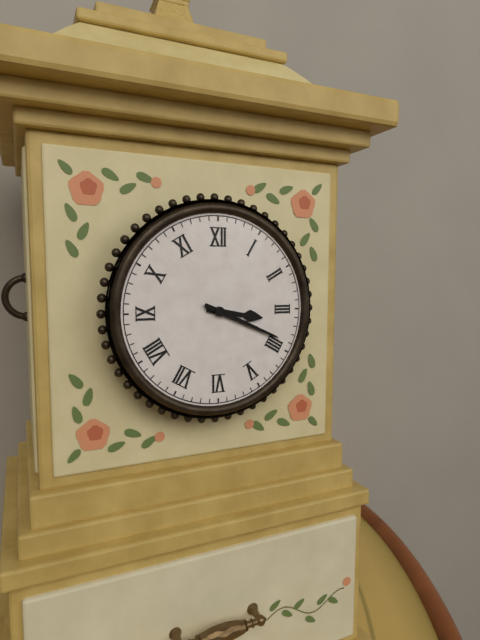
3:19
